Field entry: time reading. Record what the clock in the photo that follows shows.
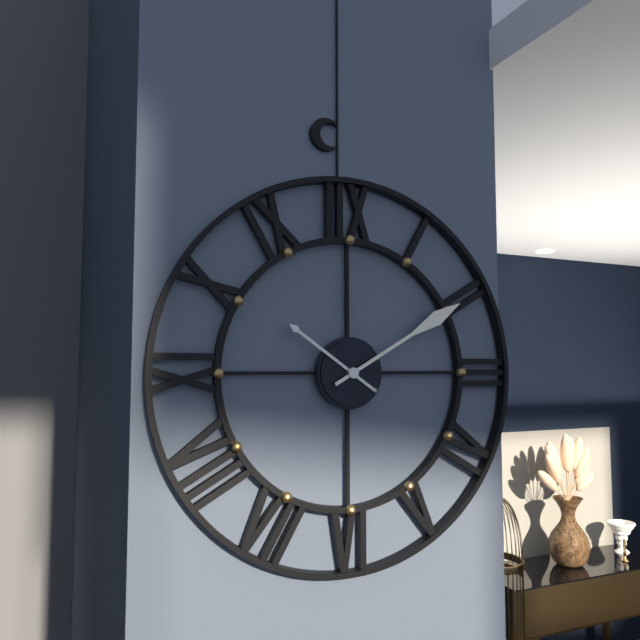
10:10
